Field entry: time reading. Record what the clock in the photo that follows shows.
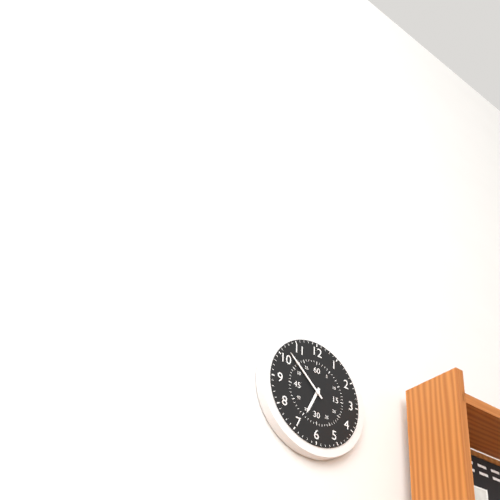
6:52
